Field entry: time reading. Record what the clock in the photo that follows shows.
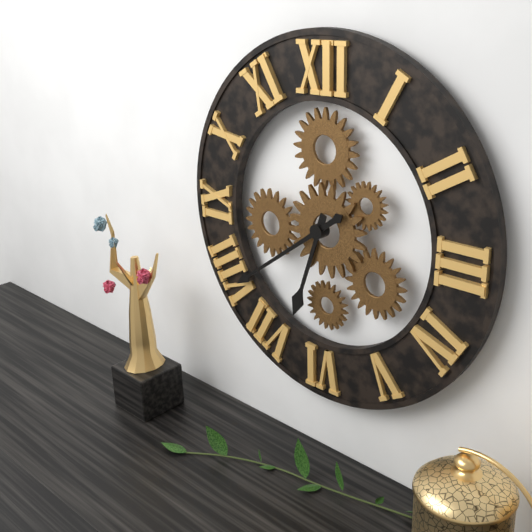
6:39
